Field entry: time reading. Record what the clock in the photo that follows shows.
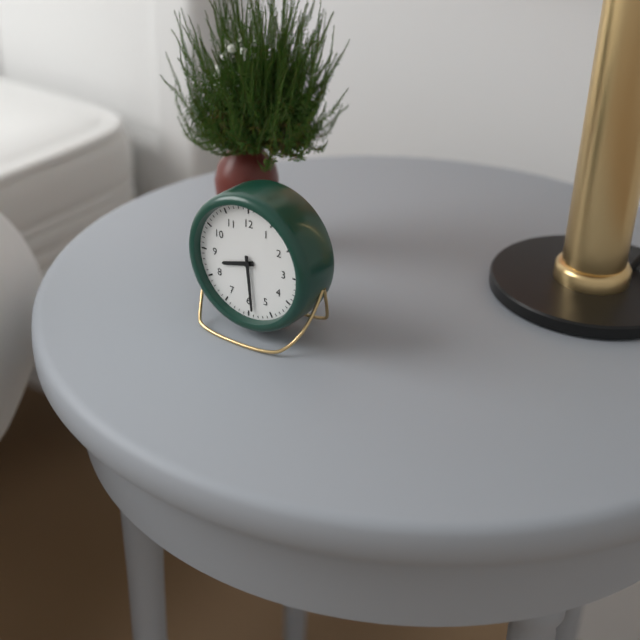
8:29
